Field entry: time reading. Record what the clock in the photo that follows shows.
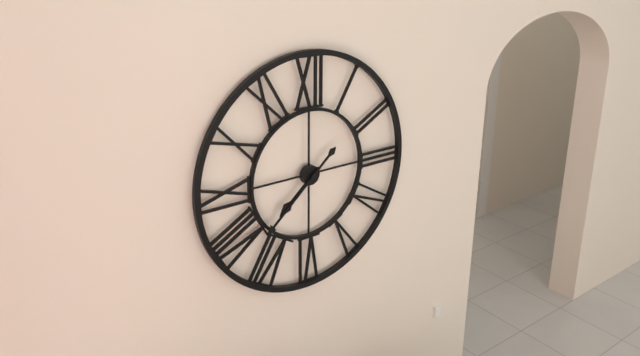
7:38
